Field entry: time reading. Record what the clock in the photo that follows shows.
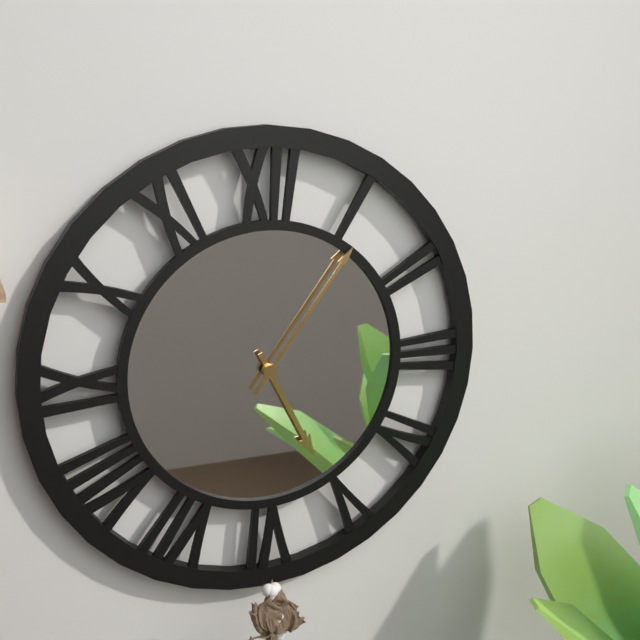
5:06
